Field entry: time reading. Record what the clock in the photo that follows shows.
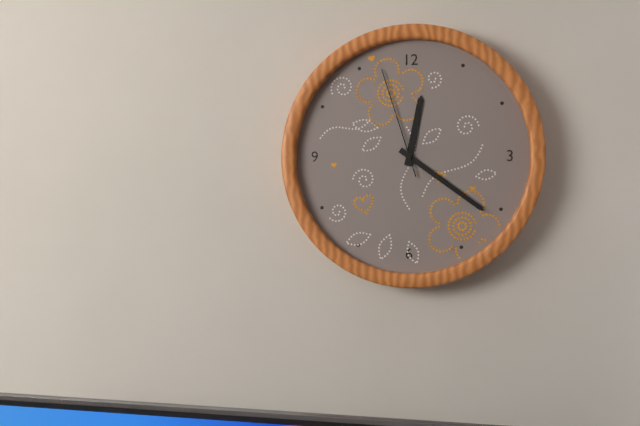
12:21:57
